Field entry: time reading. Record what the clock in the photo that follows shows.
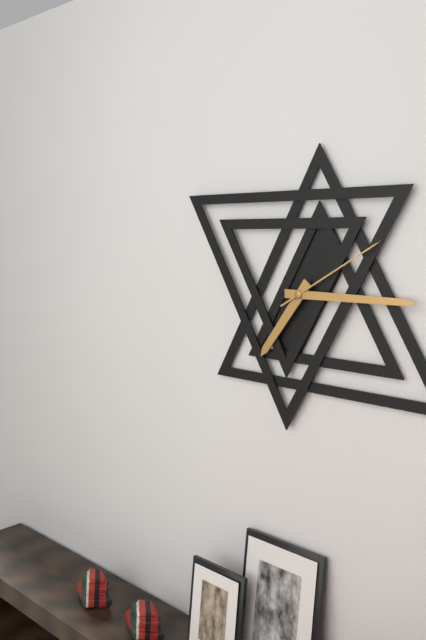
7:15:10
